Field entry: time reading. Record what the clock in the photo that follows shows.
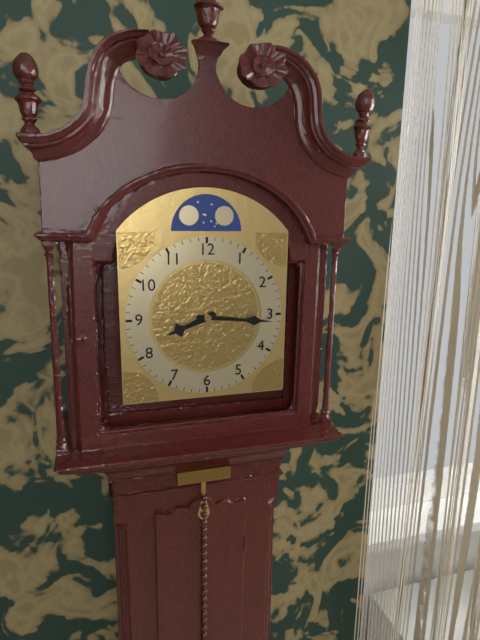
8:16
